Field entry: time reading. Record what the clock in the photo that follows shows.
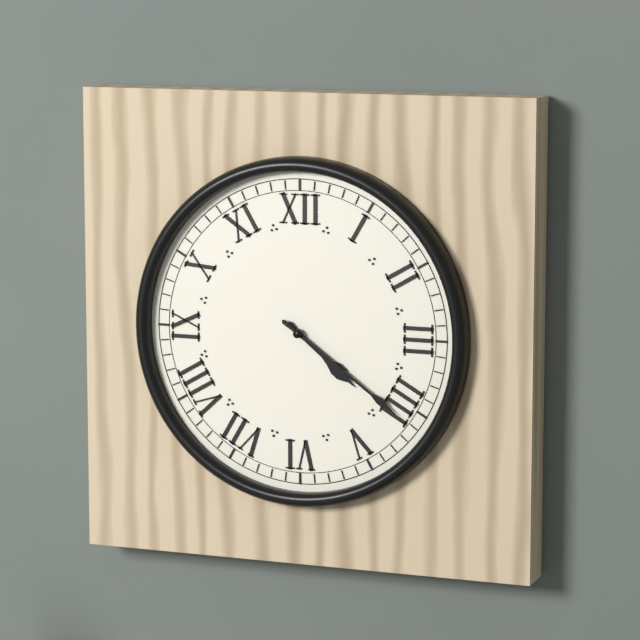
4:21
